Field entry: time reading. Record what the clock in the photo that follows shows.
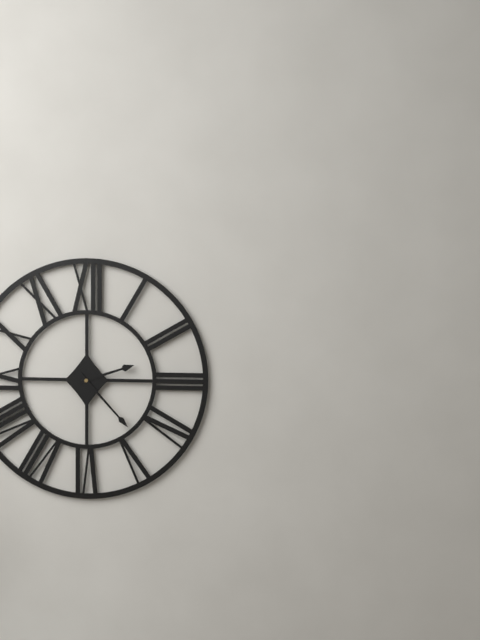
2:23
